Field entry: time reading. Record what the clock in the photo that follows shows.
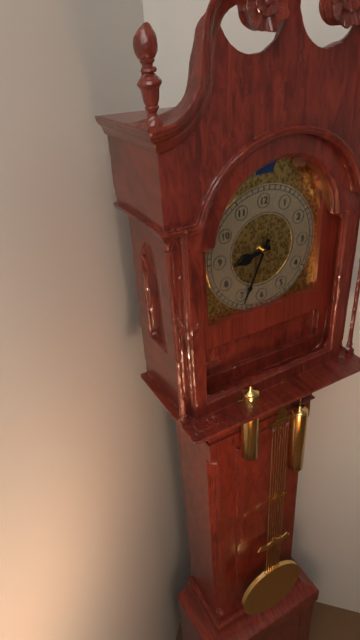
8:34
